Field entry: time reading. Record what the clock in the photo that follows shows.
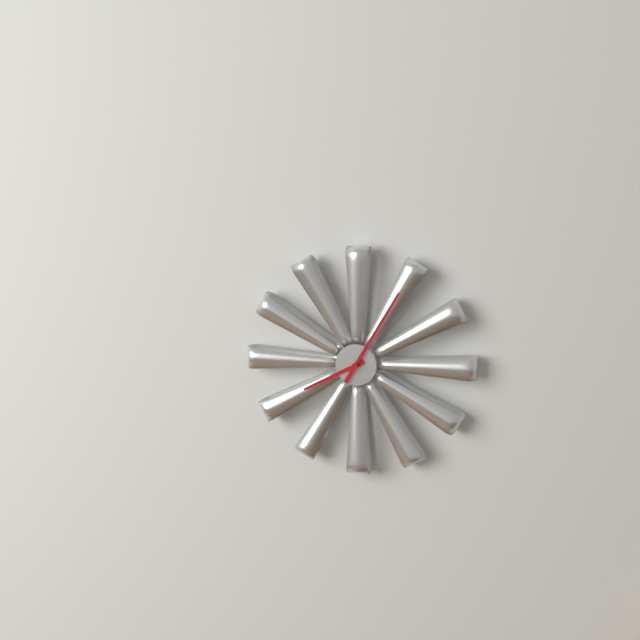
8:05
